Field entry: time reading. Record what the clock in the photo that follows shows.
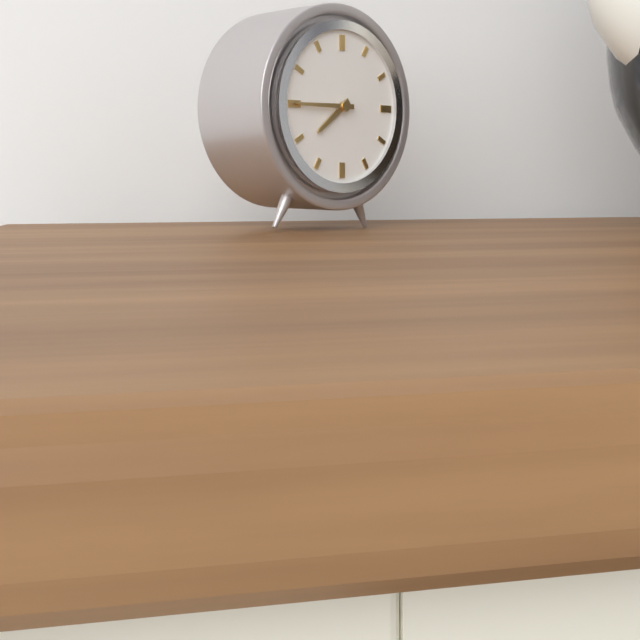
7:45
